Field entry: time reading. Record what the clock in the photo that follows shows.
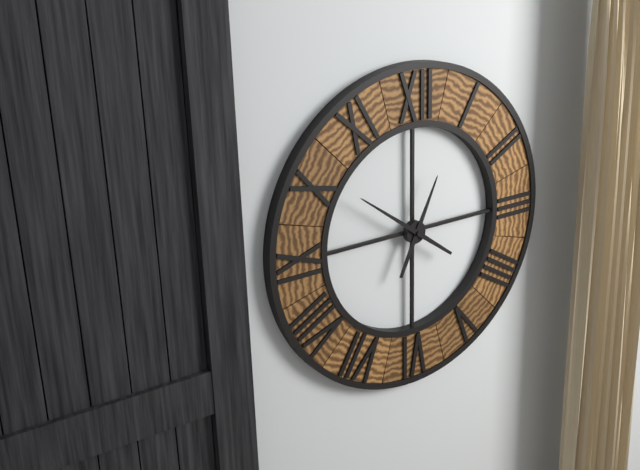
12:51
